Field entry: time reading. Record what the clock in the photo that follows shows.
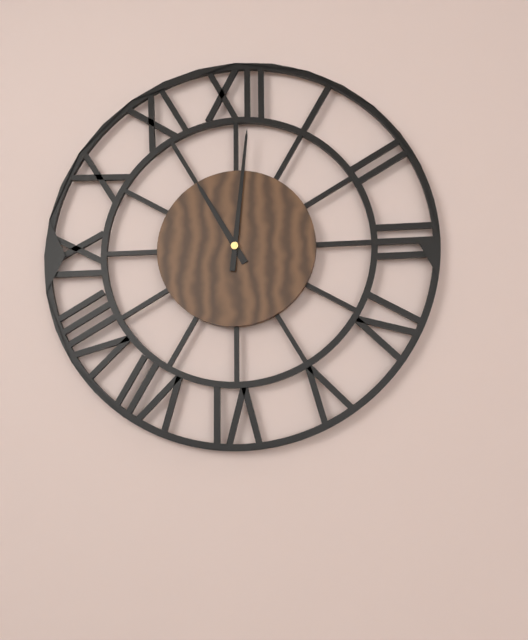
11:01
